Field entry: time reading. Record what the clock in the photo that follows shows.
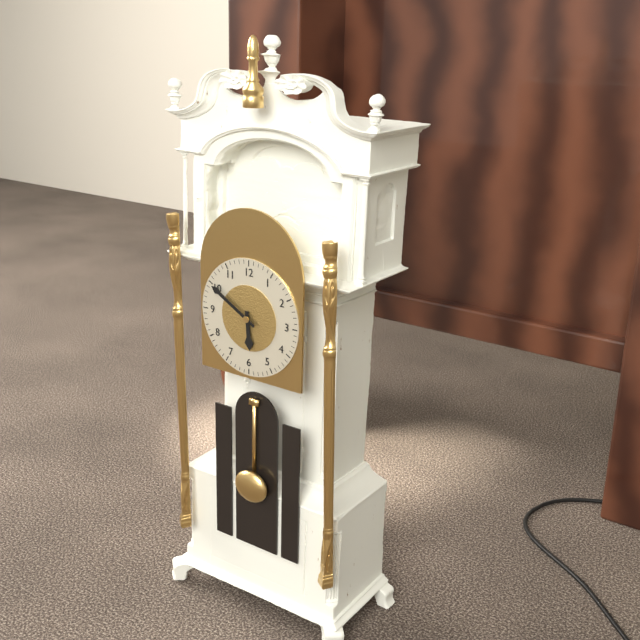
5:50
